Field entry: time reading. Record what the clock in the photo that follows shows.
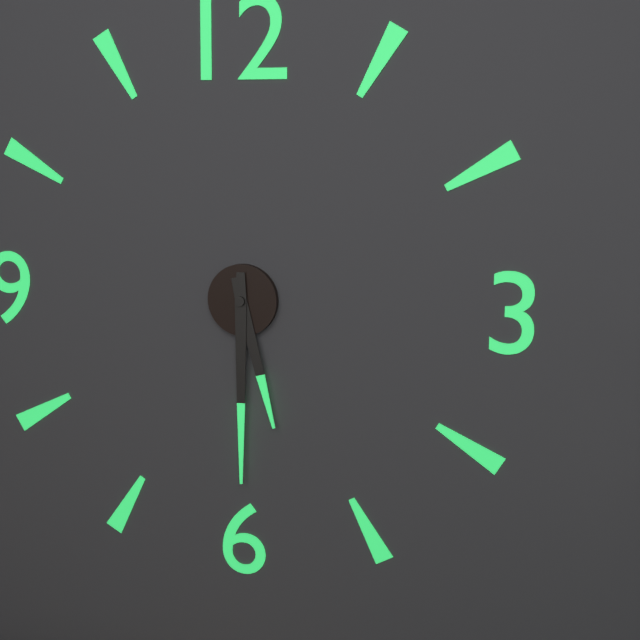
5:30
